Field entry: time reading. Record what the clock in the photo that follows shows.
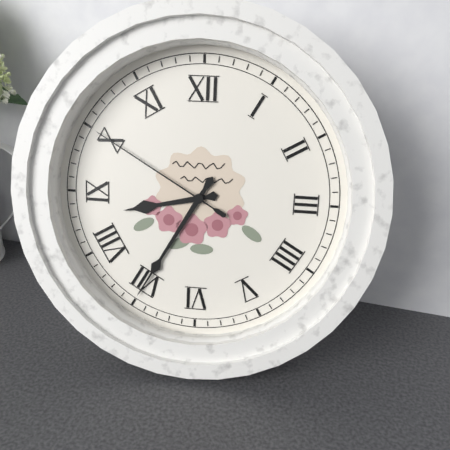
8:35:50
